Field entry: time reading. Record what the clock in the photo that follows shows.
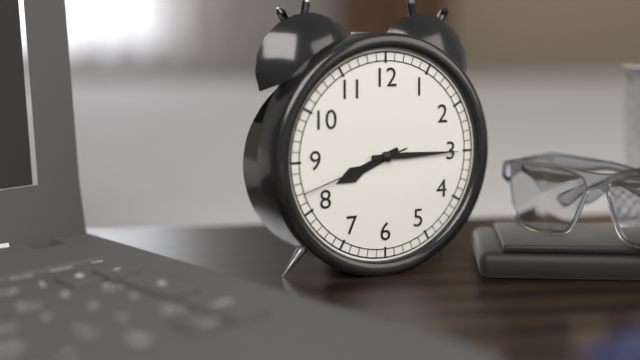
8:15:42
